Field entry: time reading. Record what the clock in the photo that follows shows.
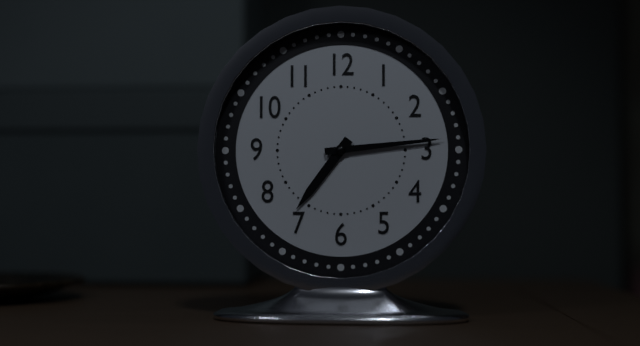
7:14
